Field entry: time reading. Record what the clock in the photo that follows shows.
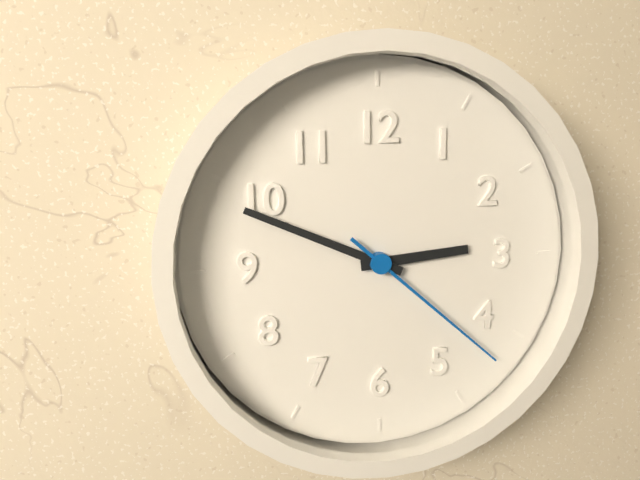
2:49:22
